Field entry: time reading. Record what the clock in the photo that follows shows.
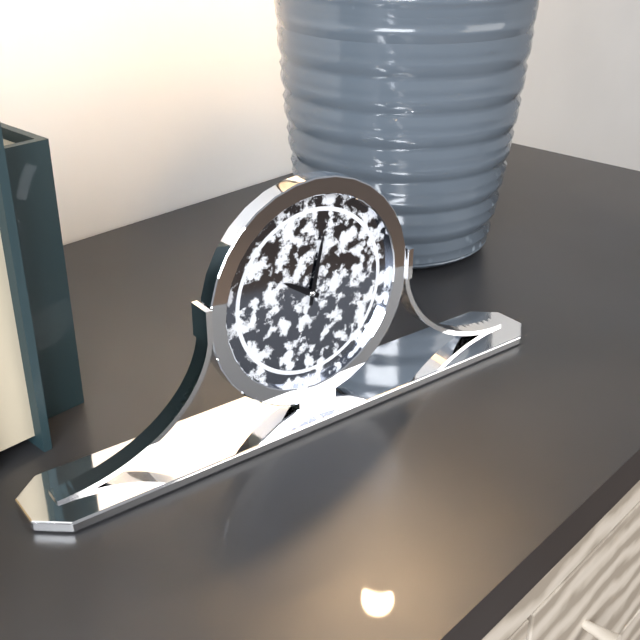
10:02
